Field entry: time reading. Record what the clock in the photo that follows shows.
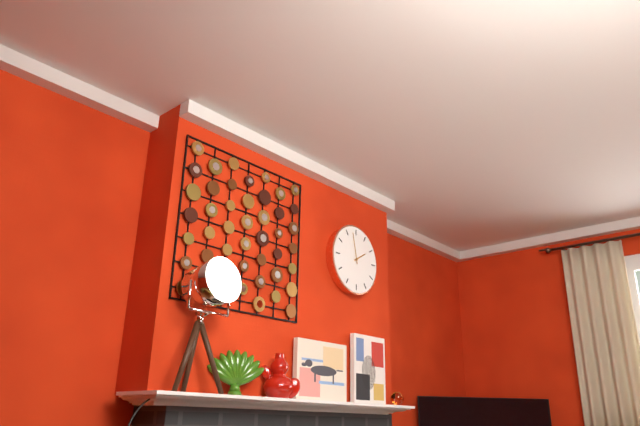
1:58
